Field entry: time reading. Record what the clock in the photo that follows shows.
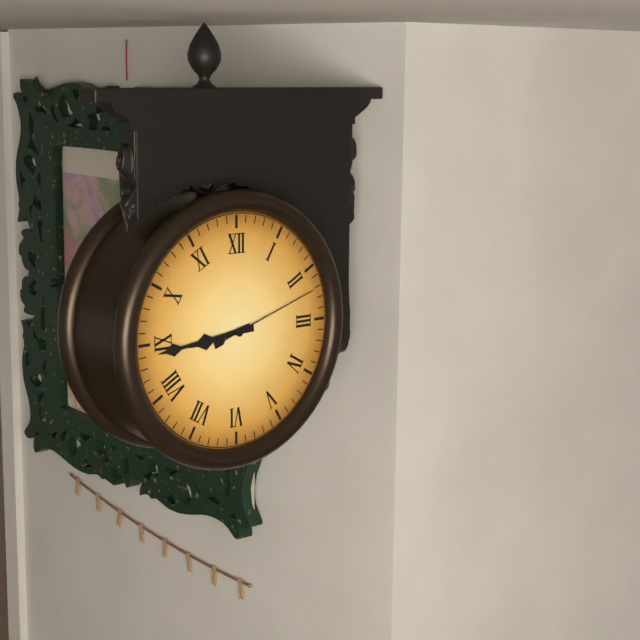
8:44:12
